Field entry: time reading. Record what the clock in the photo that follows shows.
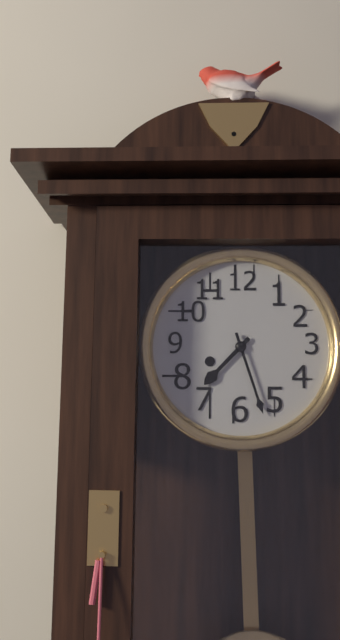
7:27
